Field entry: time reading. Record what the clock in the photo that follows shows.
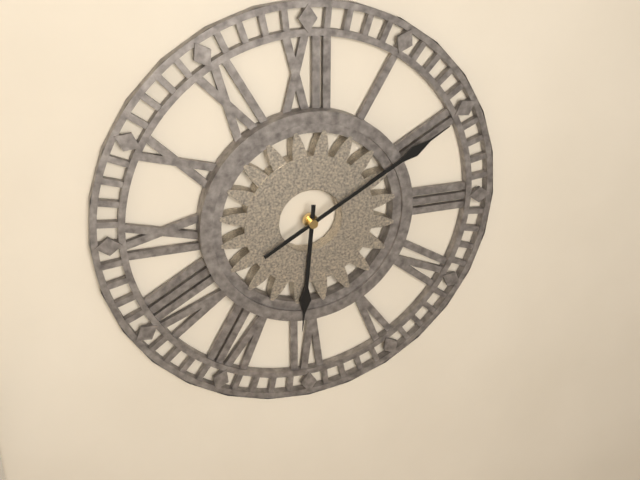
6:10
